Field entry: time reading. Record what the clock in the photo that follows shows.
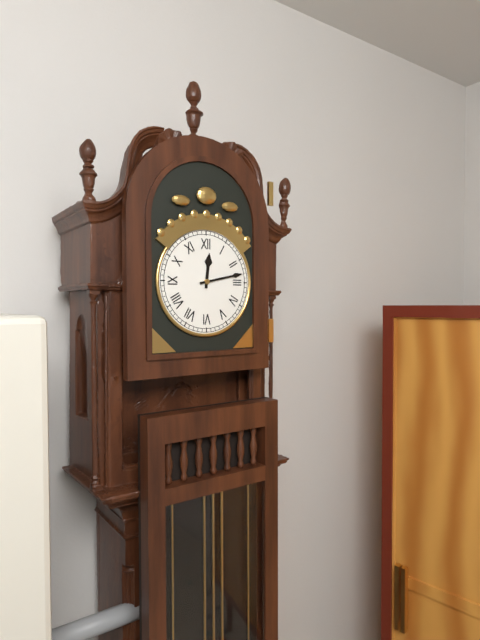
12:13
